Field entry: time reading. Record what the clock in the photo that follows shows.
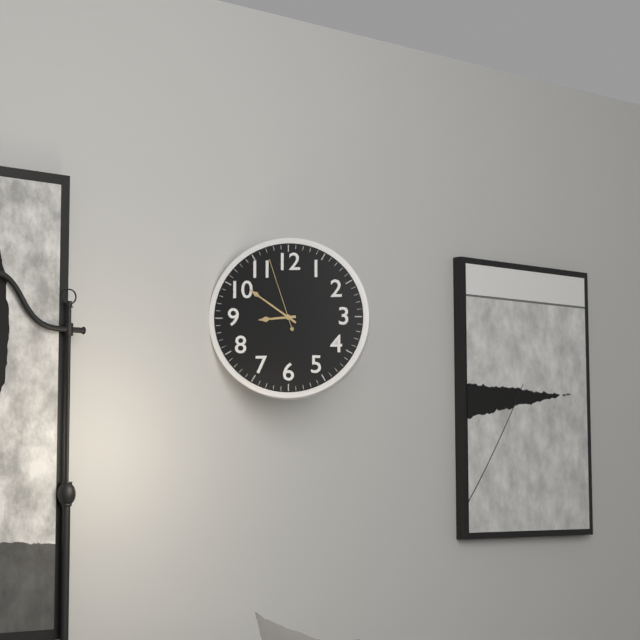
8:51:57
